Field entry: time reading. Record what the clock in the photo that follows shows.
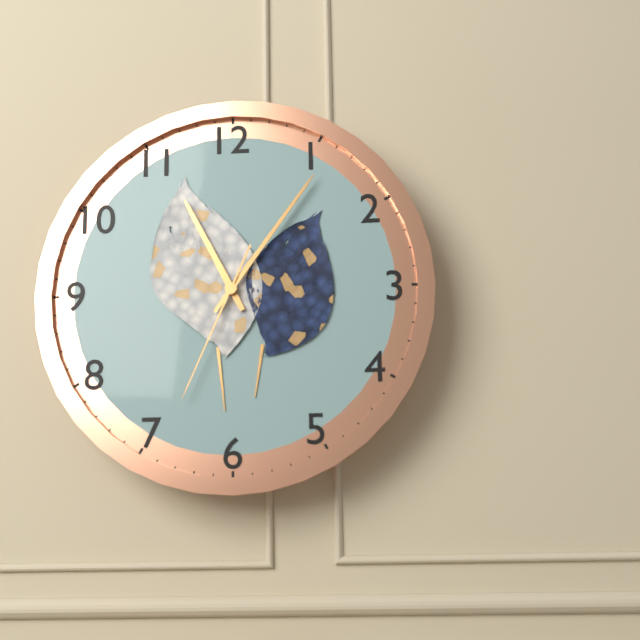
11:06:34
